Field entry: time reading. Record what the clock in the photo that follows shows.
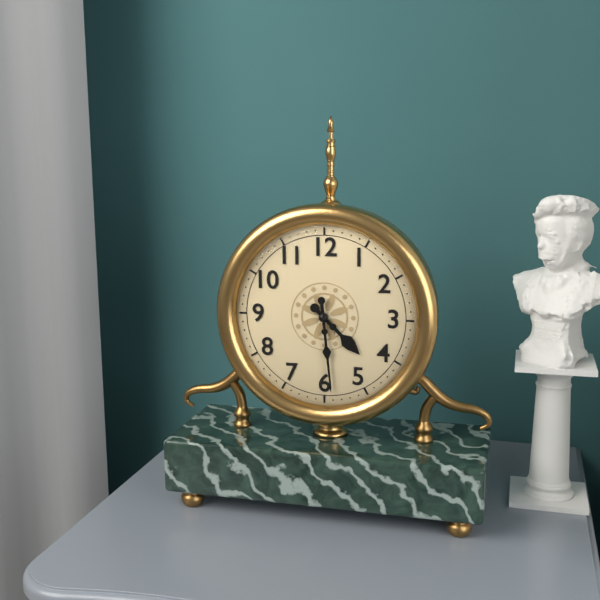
4:29
